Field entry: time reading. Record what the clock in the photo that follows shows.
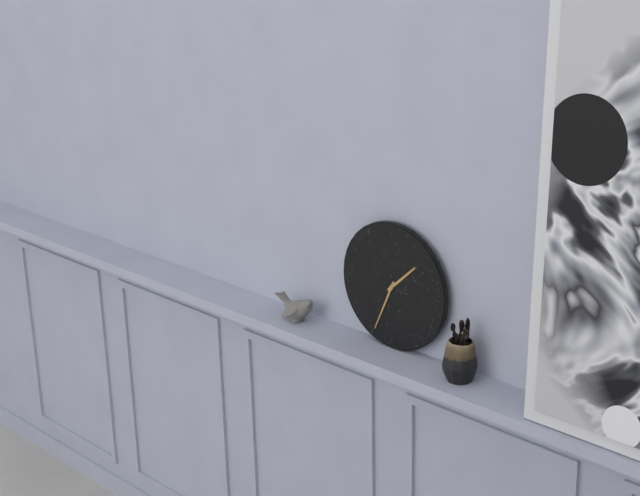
1:34
